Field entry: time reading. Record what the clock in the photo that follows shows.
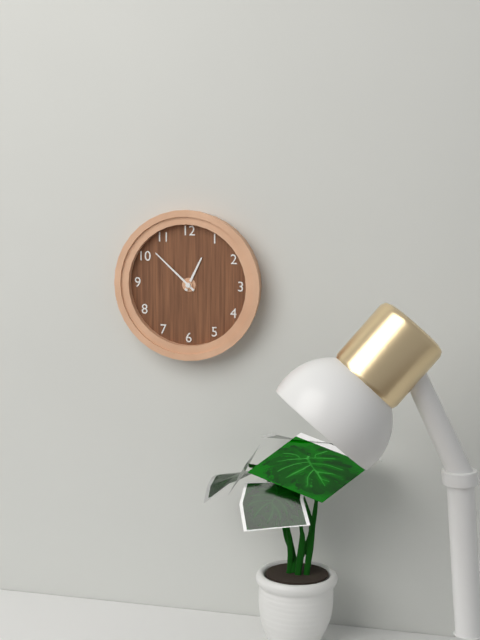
12:52
